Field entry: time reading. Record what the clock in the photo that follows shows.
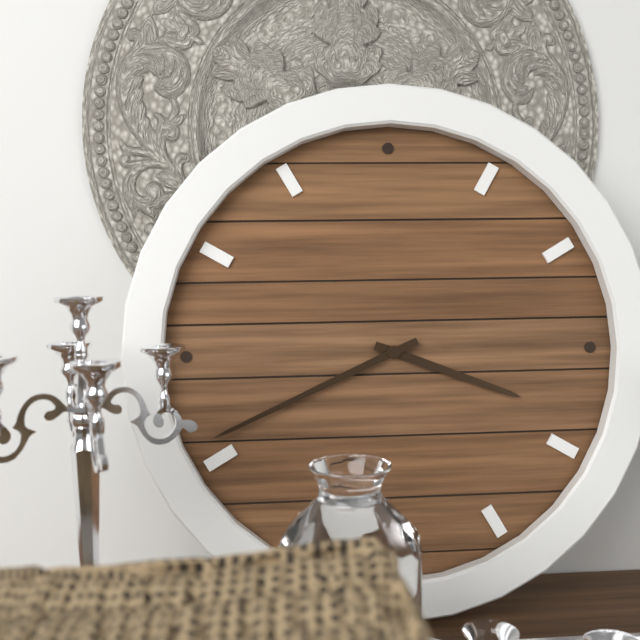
3:41
